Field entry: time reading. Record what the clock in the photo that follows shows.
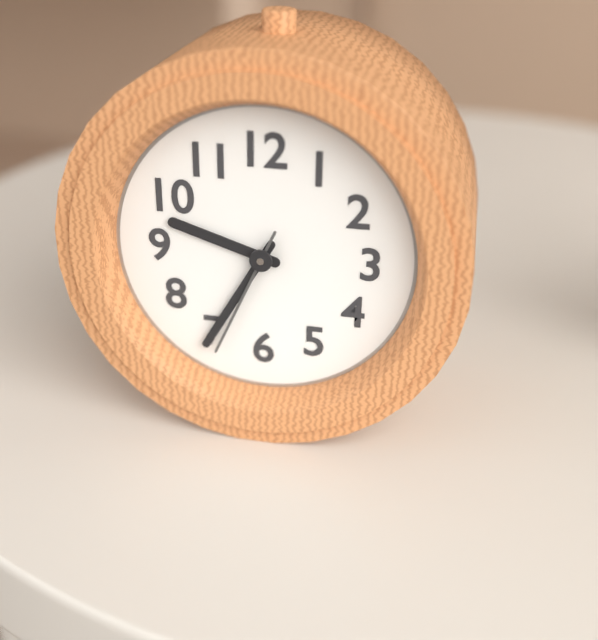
9:35:34
